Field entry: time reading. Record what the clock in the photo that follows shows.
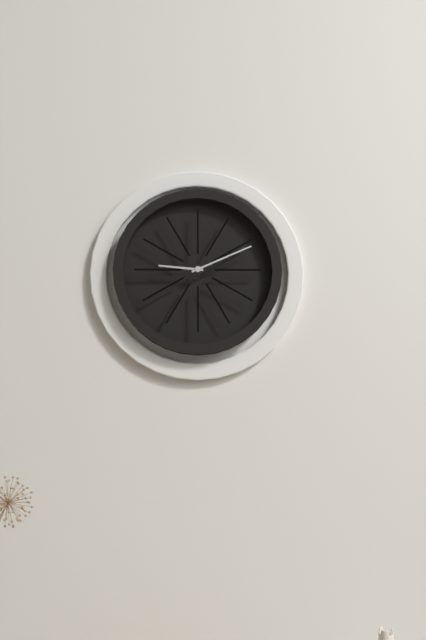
9:11
